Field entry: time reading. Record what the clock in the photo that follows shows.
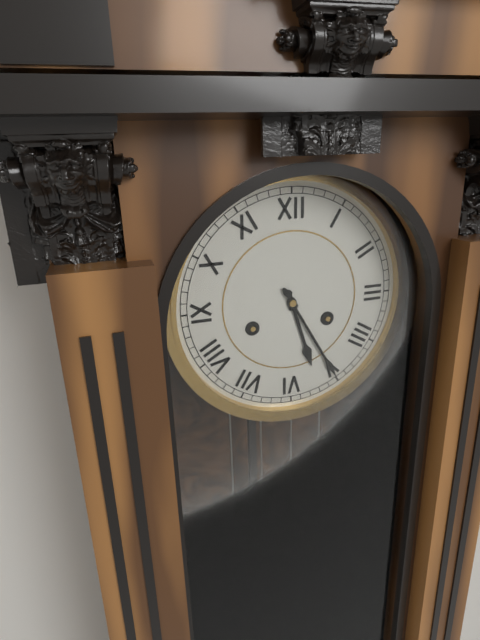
5:25
